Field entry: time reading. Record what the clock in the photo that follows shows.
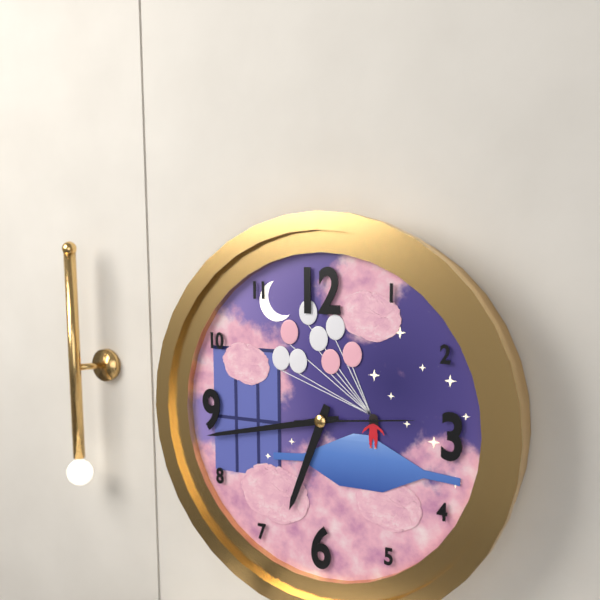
6:43:14
